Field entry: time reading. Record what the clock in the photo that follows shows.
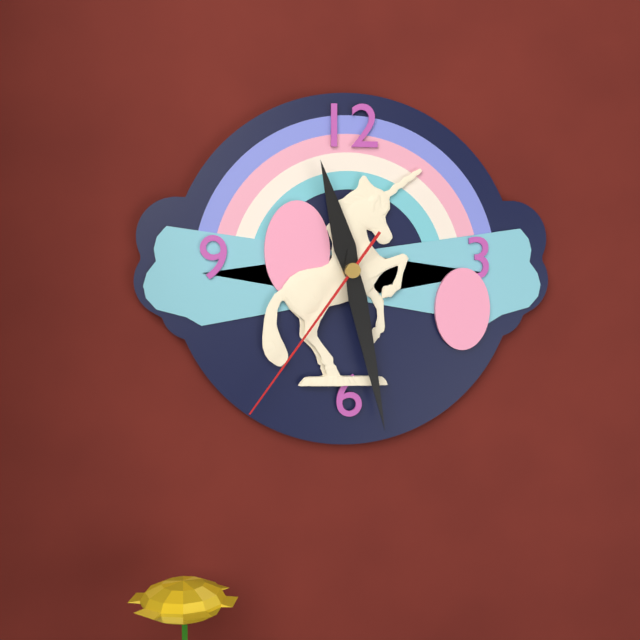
11:28:36
